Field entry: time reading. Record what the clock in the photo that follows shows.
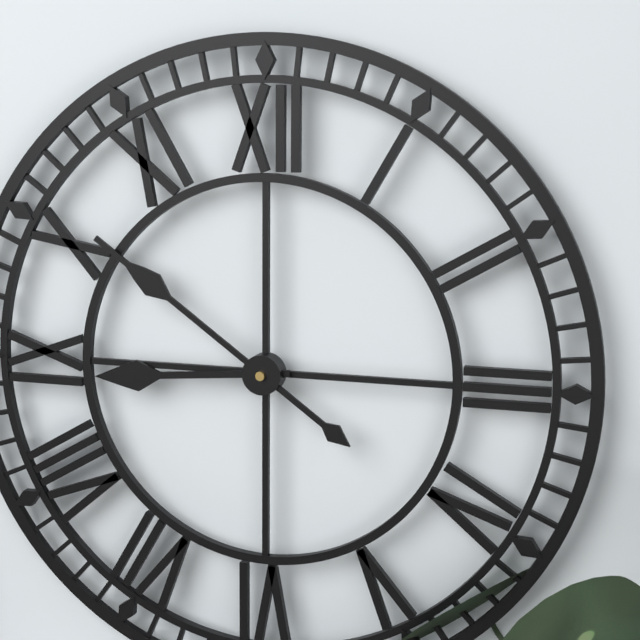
8:51
